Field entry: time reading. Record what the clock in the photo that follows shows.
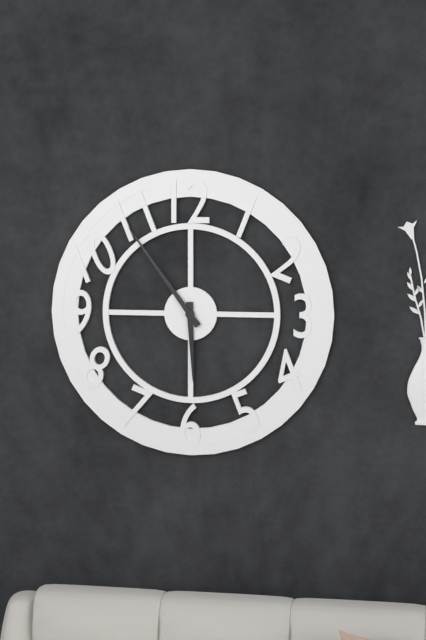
5:54
